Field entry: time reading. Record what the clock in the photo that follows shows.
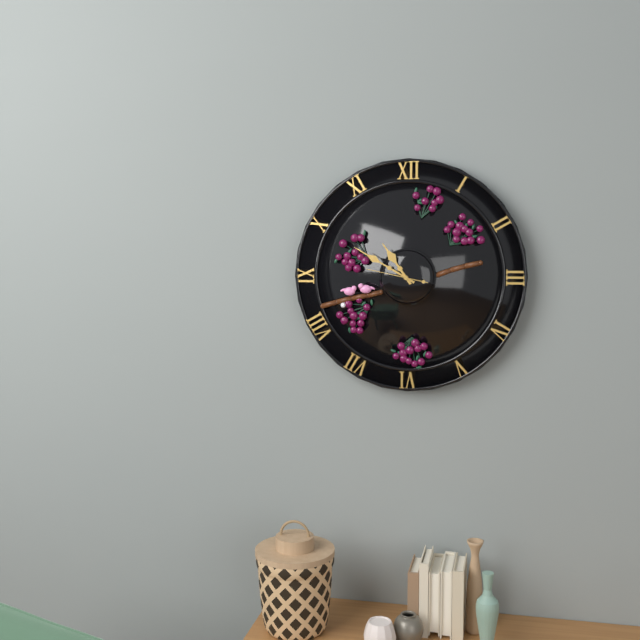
10:50:47
